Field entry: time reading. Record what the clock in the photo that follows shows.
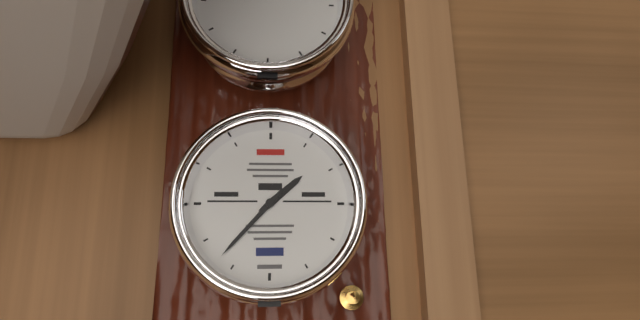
1:37
